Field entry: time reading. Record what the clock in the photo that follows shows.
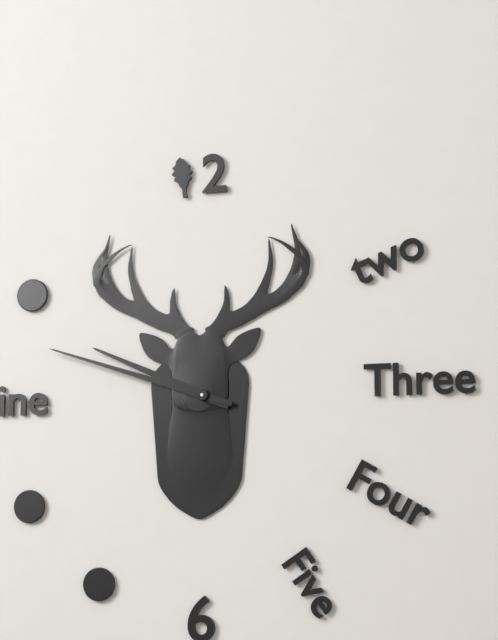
9:48
